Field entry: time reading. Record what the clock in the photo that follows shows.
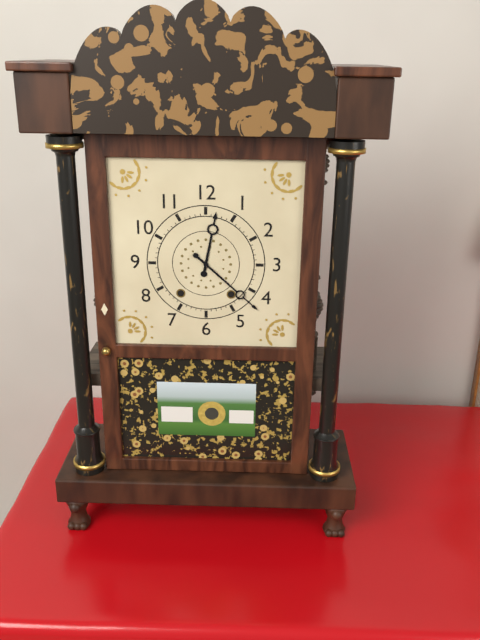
12:22
